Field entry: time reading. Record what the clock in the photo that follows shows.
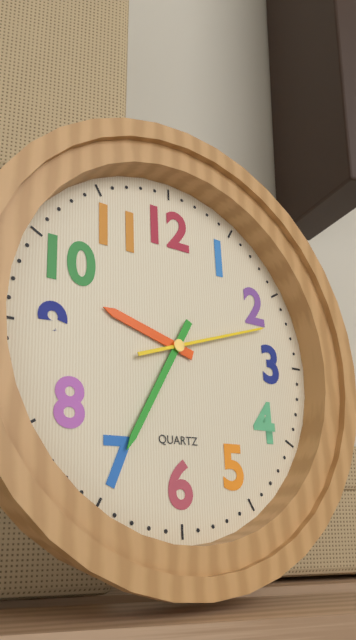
9:35:12
